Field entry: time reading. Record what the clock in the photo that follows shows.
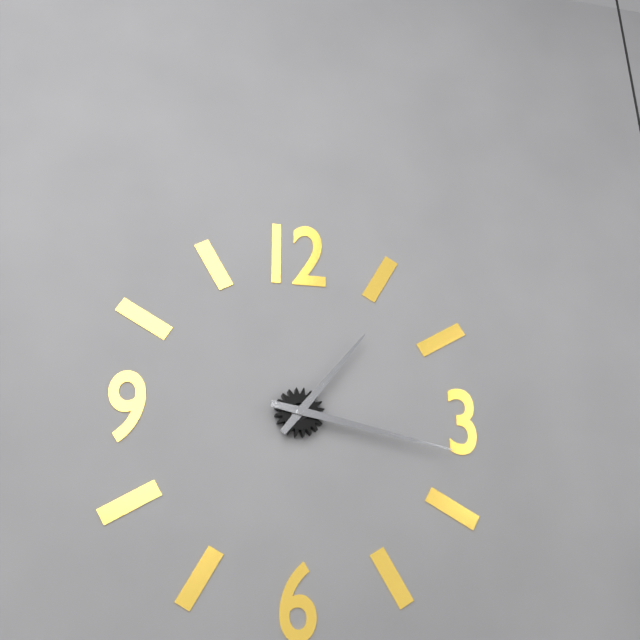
1:17
